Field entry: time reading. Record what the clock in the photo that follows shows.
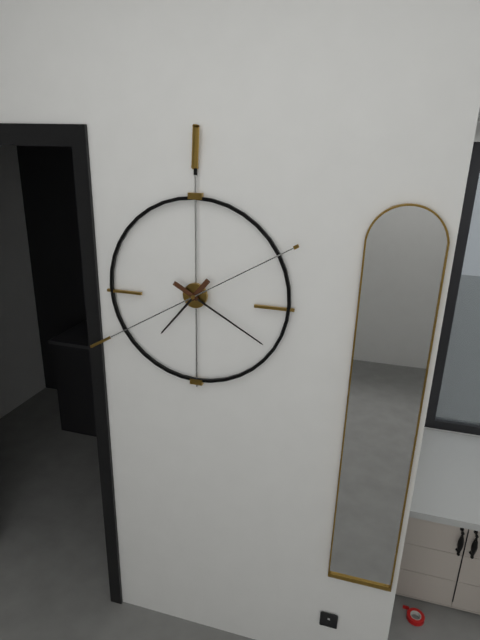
7:20:40
